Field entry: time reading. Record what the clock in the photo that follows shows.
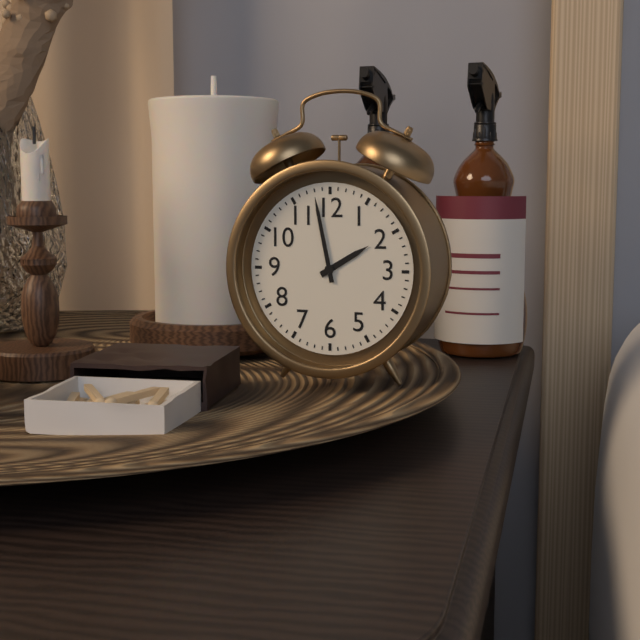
1:58
